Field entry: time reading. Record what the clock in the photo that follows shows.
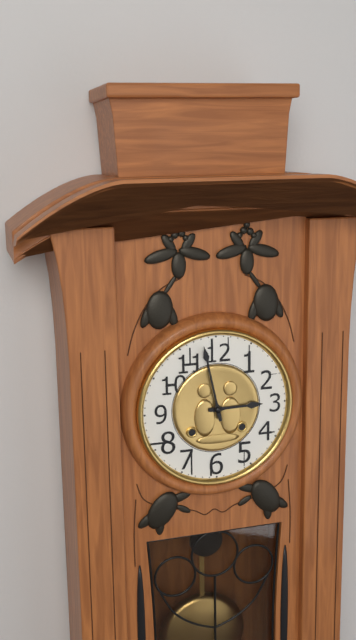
2:58
